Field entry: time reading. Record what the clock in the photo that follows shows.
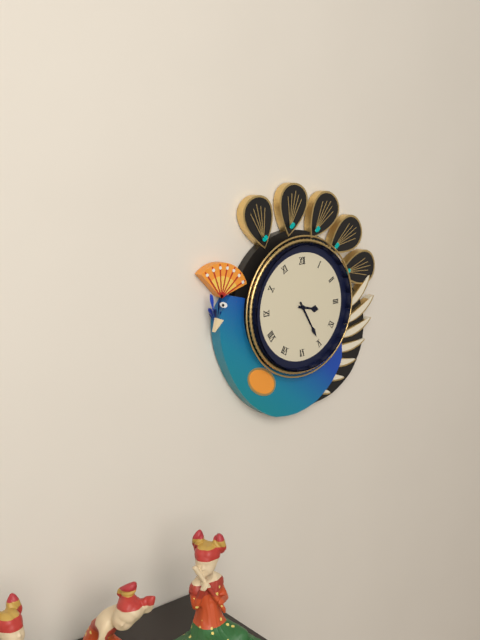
3:25
